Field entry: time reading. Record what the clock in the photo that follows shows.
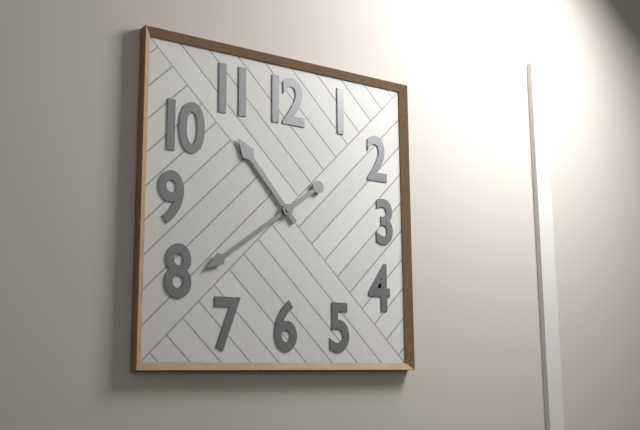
10:39
